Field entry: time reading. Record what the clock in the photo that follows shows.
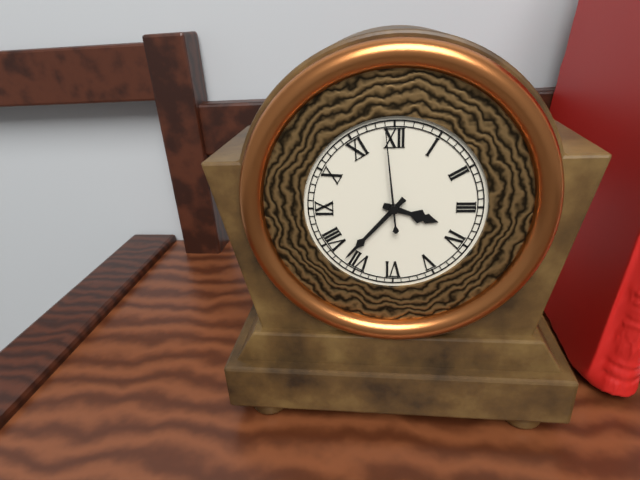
3:37:59
